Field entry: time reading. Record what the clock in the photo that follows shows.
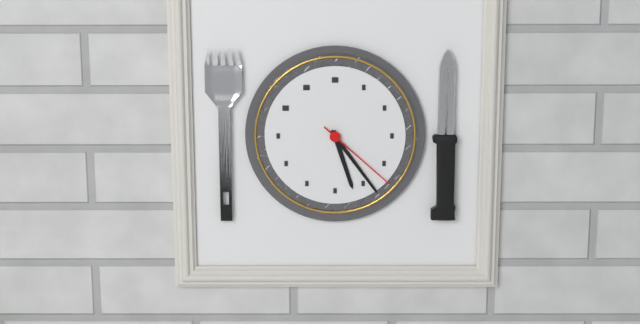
5:24:22
